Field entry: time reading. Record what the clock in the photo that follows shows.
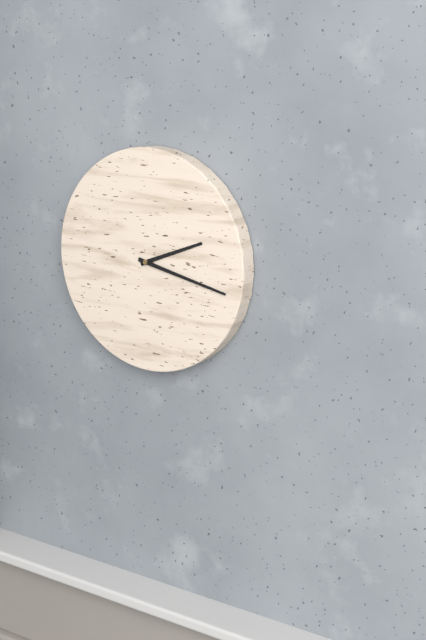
2:17
